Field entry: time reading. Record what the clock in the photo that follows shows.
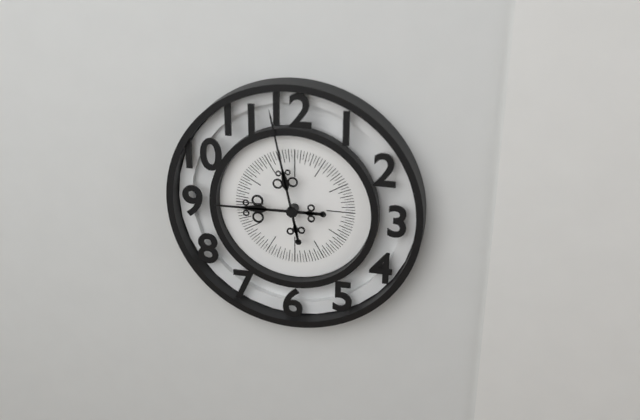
8:58
